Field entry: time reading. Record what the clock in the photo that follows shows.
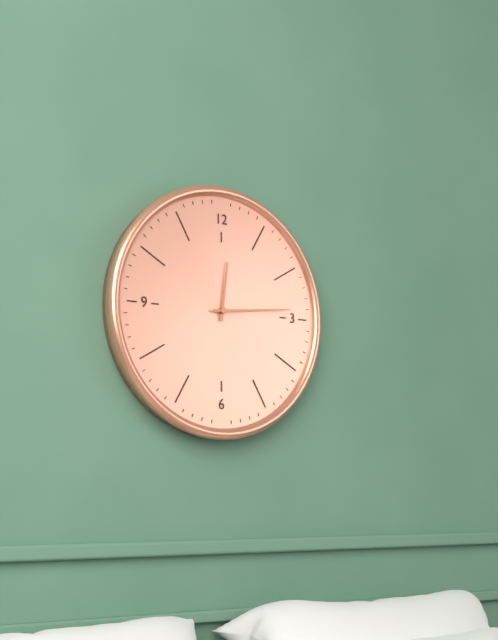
12:14
